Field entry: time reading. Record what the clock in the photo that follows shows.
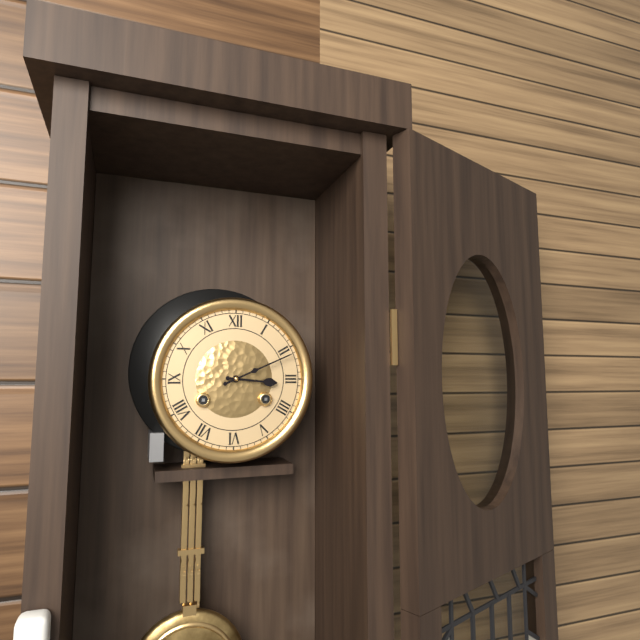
3:11
